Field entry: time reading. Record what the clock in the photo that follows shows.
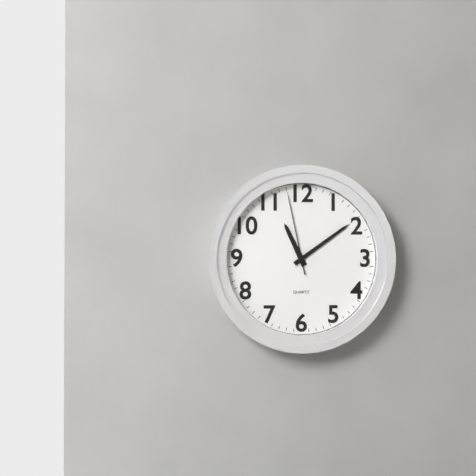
11:09:58
